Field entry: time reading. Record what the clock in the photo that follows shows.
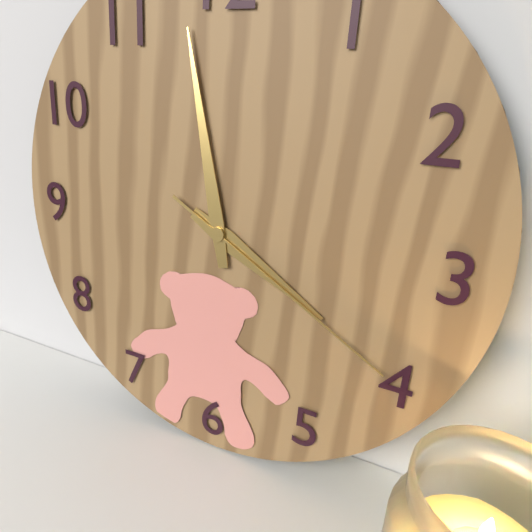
3:58:20
